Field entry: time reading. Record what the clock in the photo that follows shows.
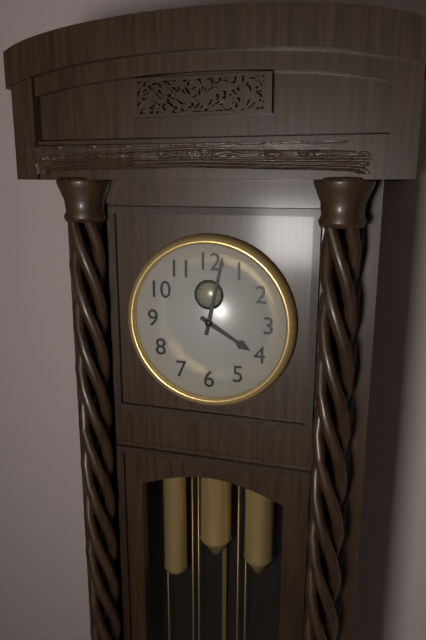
4:02
